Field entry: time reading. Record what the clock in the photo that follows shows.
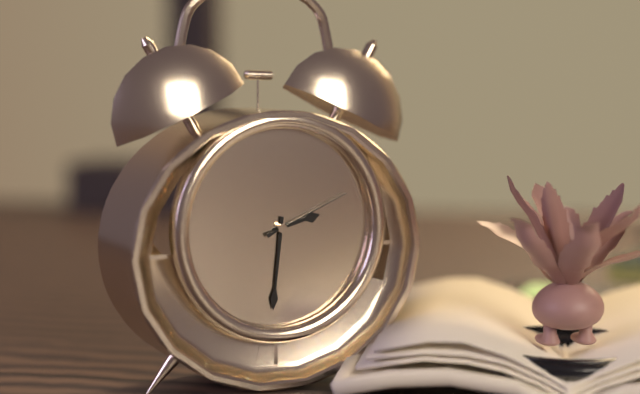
2:31:11
